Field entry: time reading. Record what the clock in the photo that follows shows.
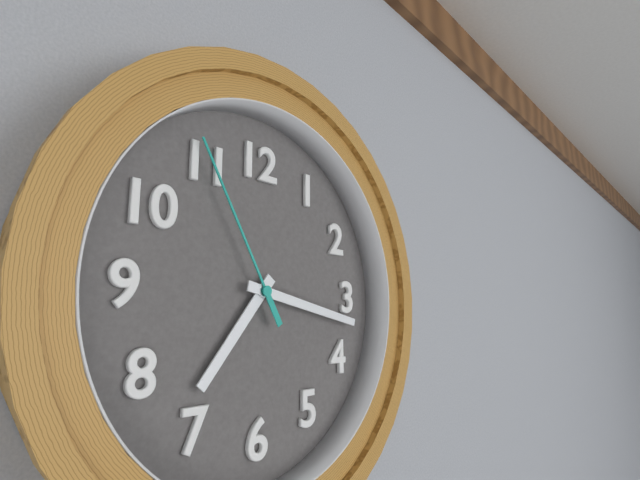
7:17:55
